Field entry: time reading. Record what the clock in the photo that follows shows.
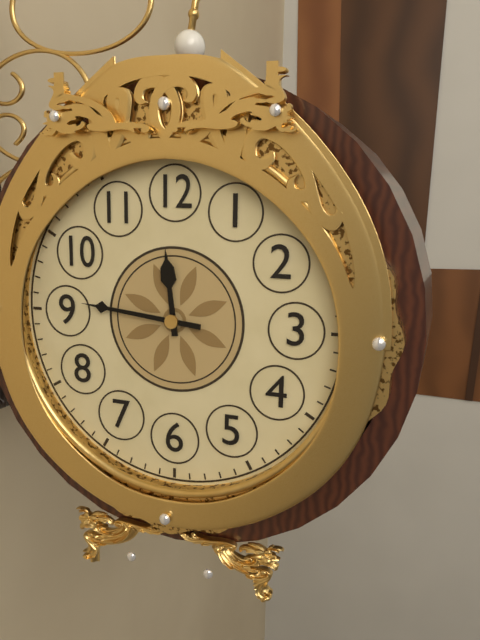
11:46
